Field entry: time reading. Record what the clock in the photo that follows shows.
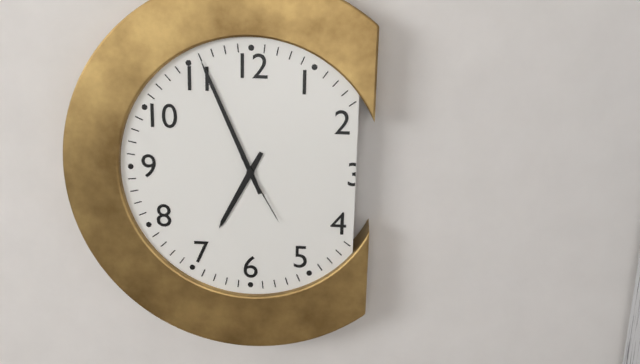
6:56:25
